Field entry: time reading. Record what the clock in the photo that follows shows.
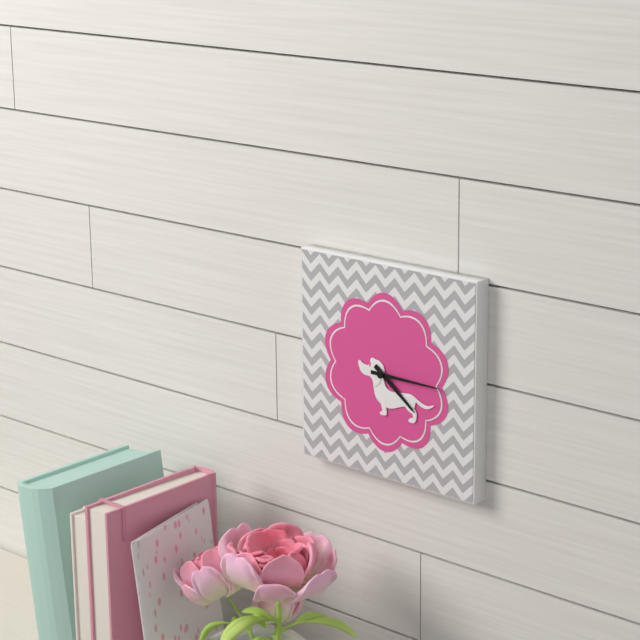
4:15
